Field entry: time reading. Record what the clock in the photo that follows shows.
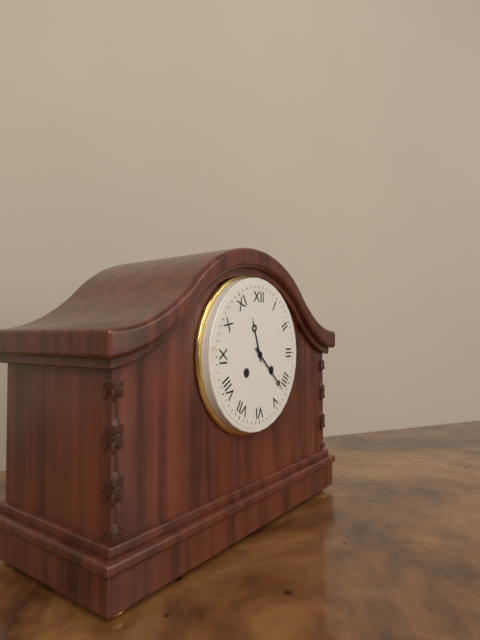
11:22
